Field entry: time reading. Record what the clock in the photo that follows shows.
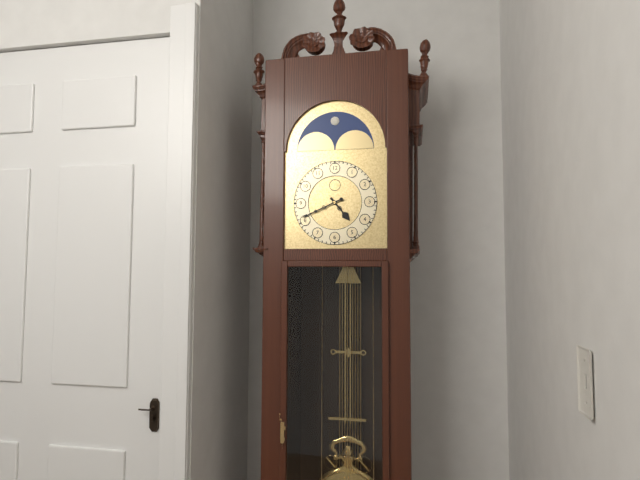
4:41
